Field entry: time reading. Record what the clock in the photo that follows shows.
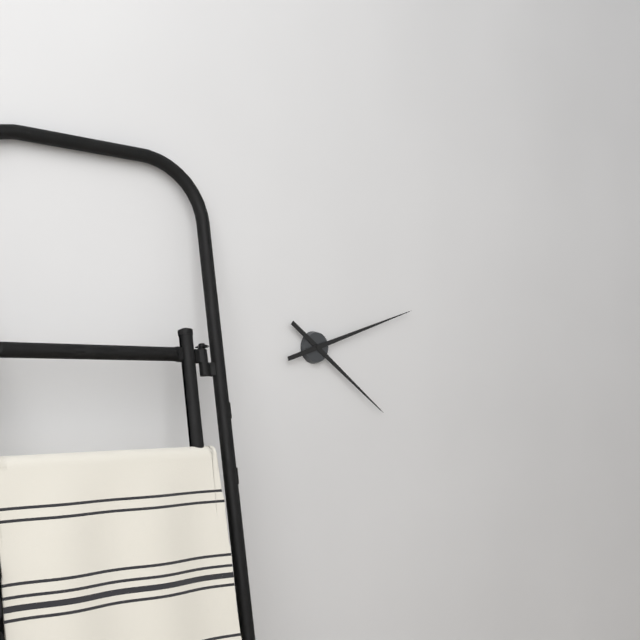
4:12
